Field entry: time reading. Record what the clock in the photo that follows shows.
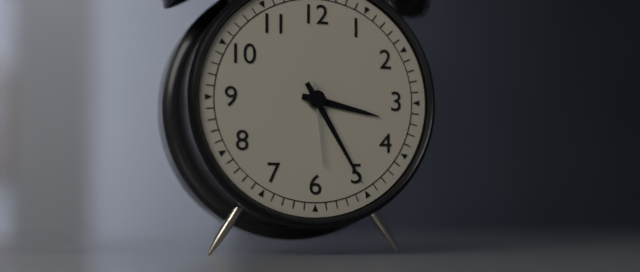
3:25:29
